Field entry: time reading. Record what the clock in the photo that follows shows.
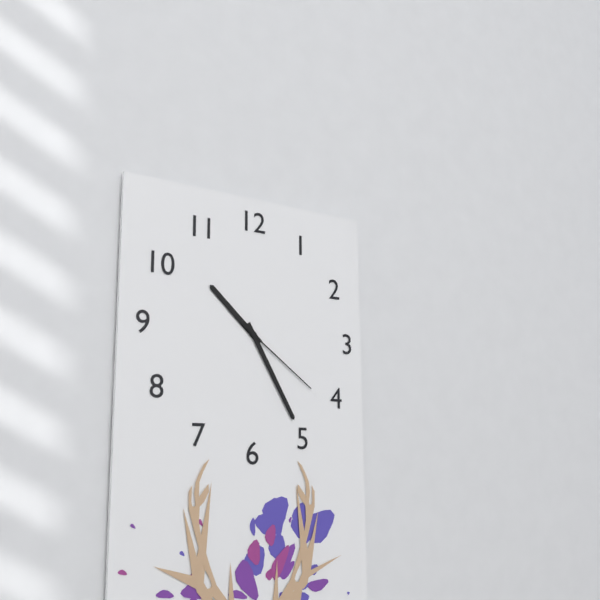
10:25:21
